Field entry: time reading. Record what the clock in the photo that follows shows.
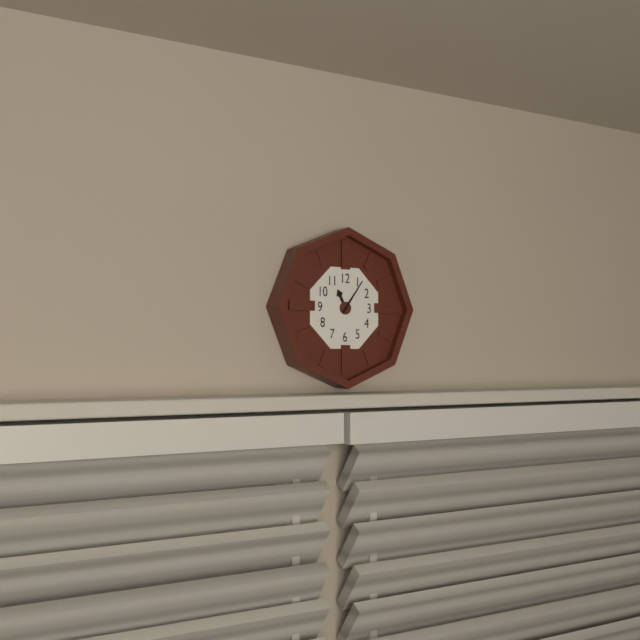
11:06
